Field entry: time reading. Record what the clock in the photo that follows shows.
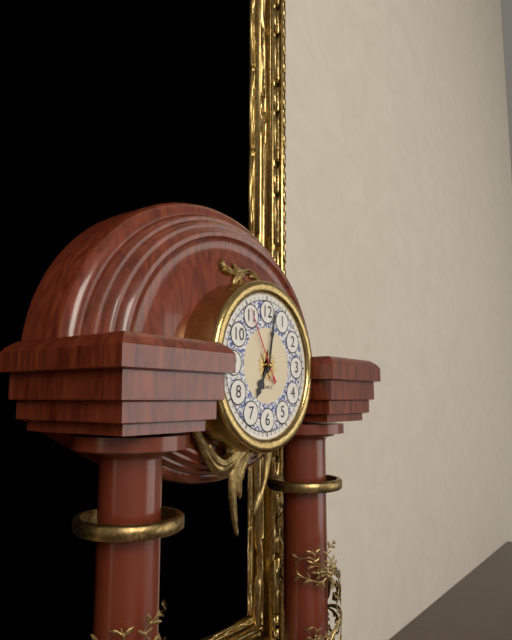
7:02:55
